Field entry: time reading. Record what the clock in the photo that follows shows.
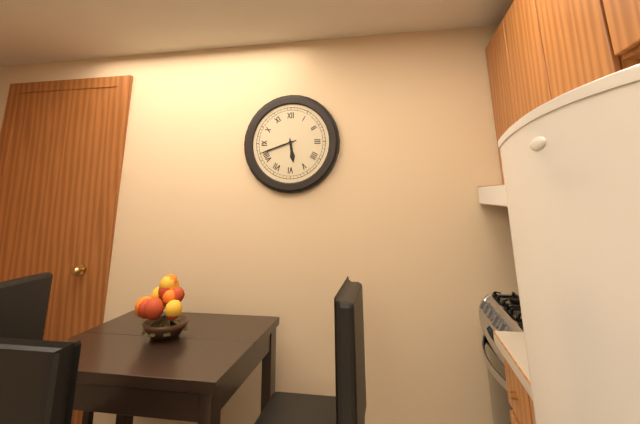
5:42
